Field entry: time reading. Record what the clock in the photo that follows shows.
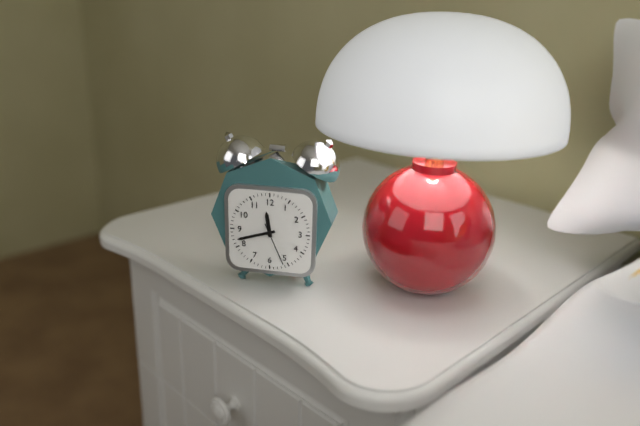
11:42
